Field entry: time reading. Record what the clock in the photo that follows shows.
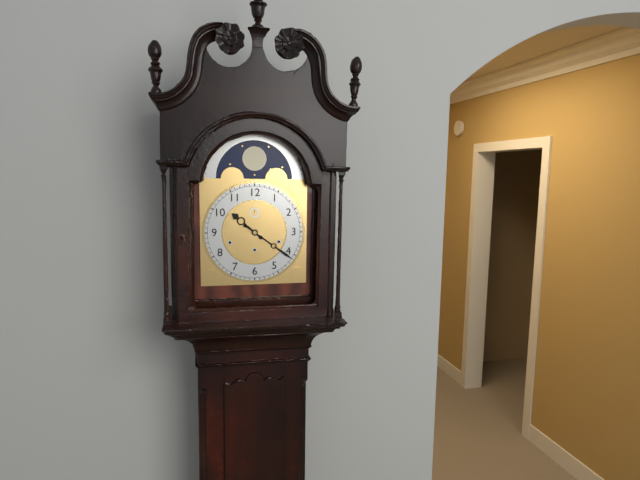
10:21
